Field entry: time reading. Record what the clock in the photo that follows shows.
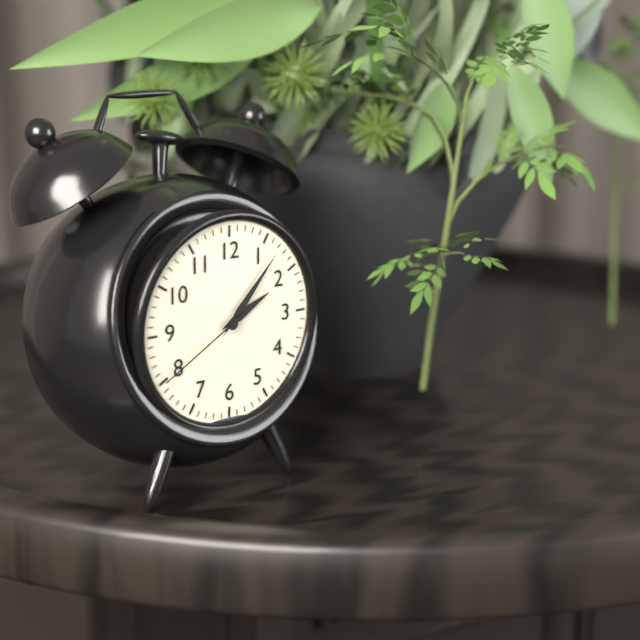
2:07:40
